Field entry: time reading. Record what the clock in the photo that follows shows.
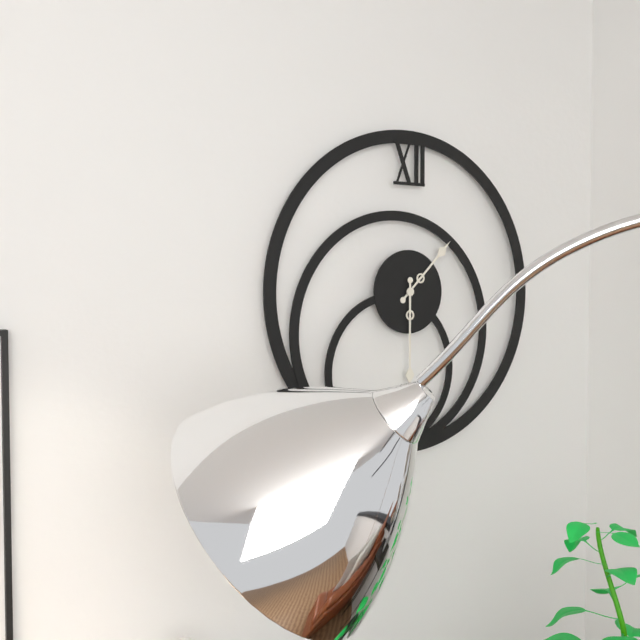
1:30
